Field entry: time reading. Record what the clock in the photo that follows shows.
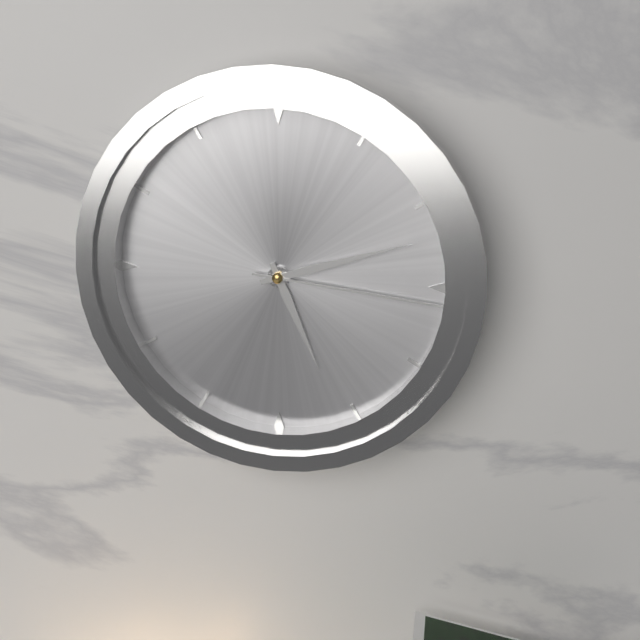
5:12:16
